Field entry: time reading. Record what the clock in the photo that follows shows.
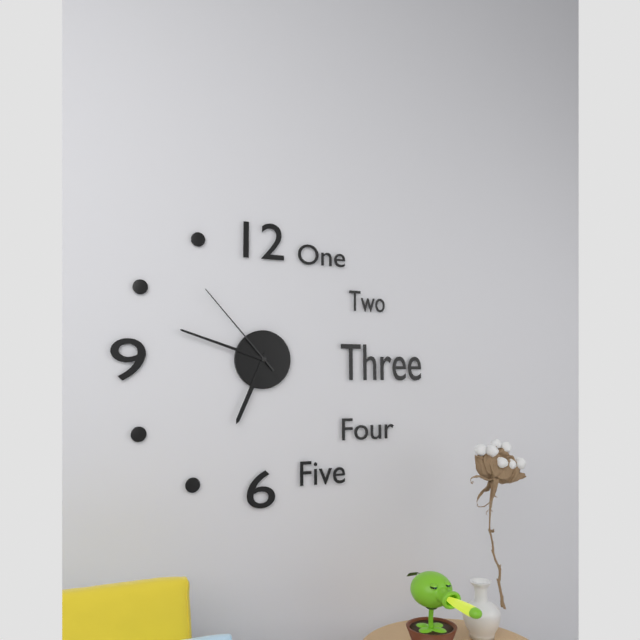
6:48:53
